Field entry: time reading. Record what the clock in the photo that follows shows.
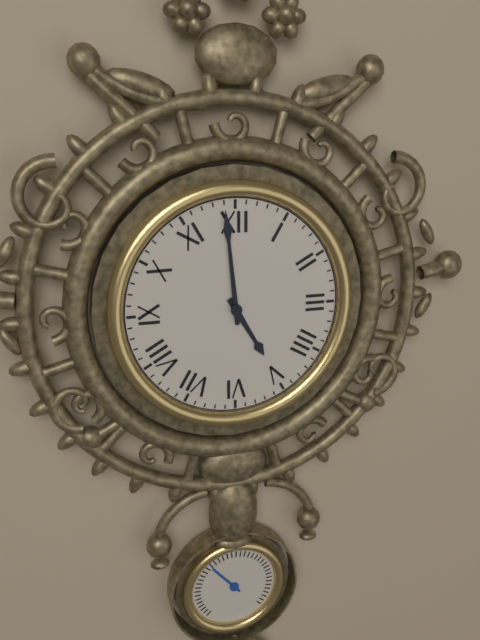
4:59
